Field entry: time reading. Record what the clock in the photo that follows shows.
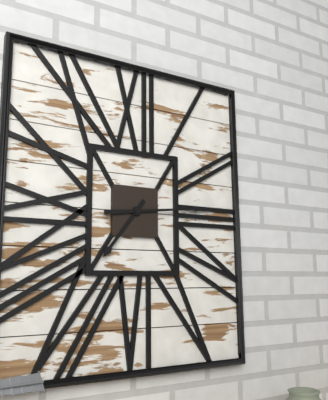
7:14
